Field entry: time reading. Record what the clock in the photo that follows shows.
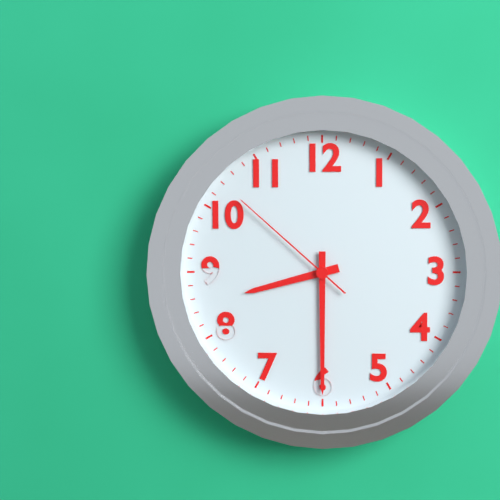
8:30:52
